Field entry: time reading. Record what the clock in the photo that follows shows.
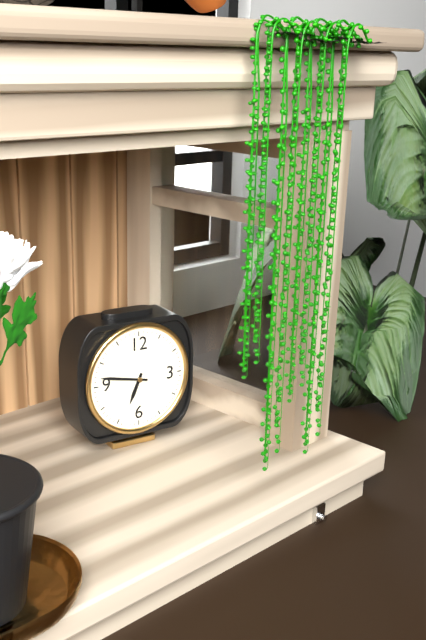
6:47
